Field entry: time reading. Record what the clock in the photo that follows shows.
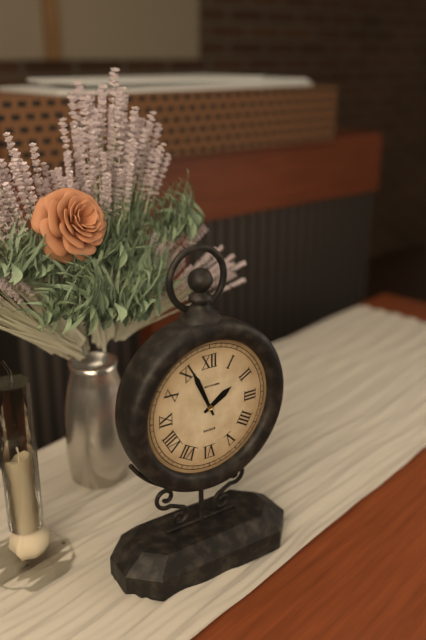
1:56
